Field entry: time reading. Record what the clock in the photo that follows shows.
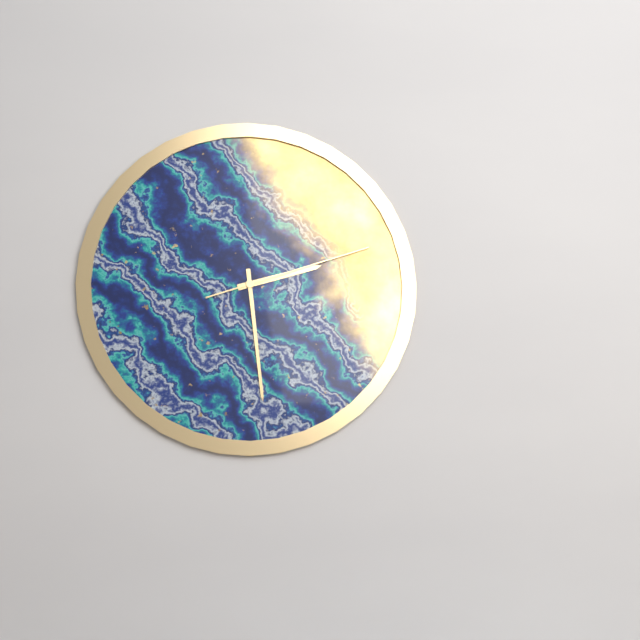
2:29:12
